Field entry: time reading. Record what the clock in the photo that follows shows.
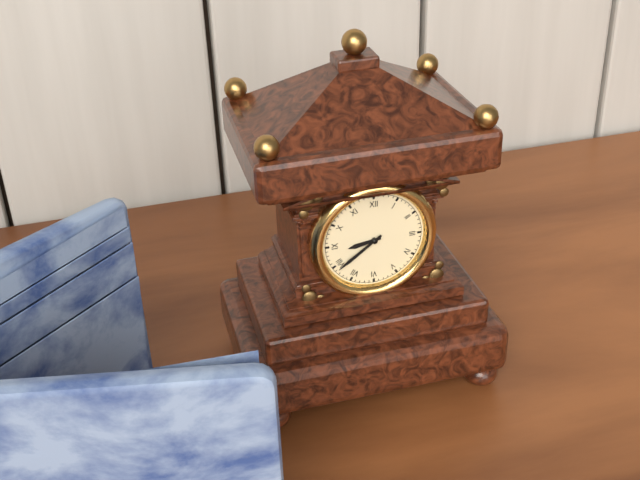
8:39
